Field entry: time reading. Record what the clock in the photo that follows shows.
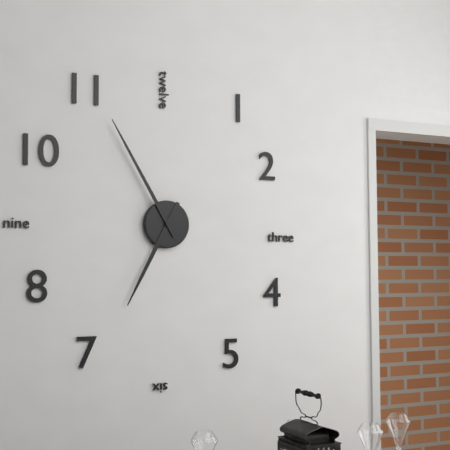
6:55
